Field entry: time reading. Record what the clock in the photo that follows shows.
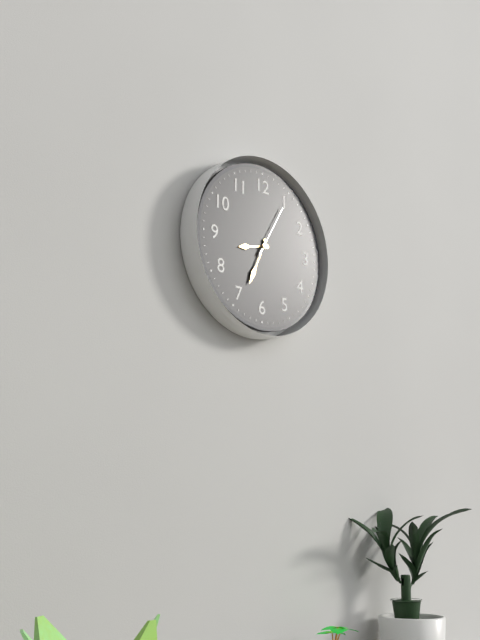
8:34:05
